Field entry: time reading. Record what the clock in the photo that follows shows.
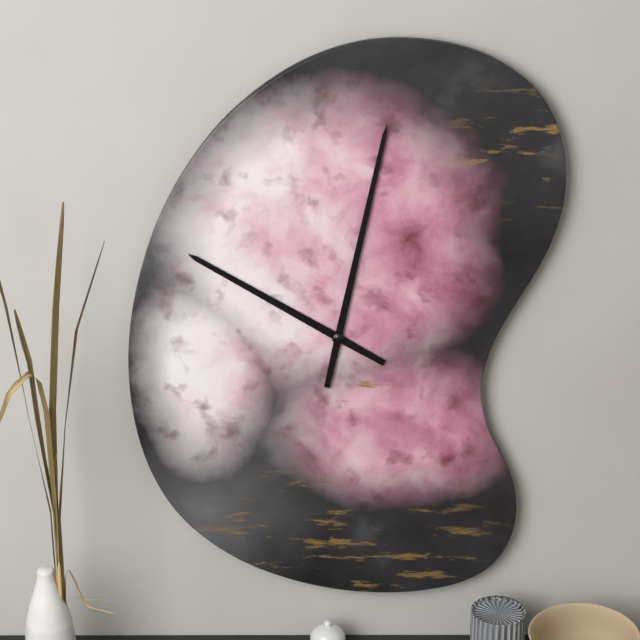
10:02
